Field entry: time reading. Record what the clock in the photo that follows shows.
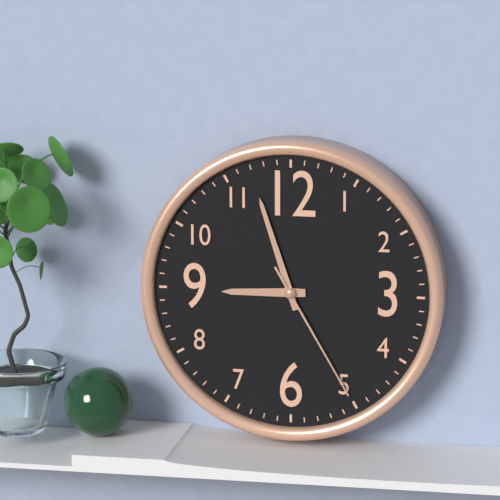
8:57:25
